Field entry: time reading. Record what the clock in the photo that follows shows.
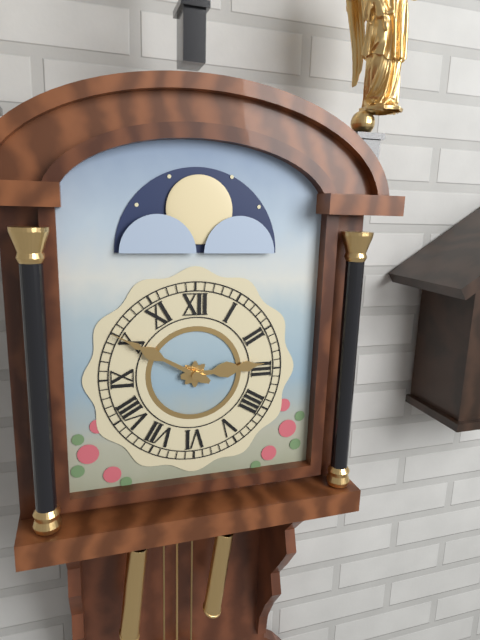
2:50
